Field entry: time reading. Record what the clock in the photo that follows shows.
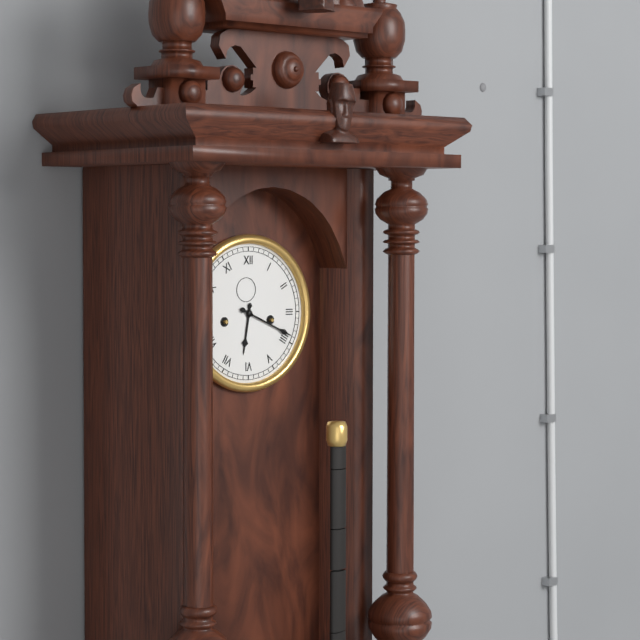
6:19
